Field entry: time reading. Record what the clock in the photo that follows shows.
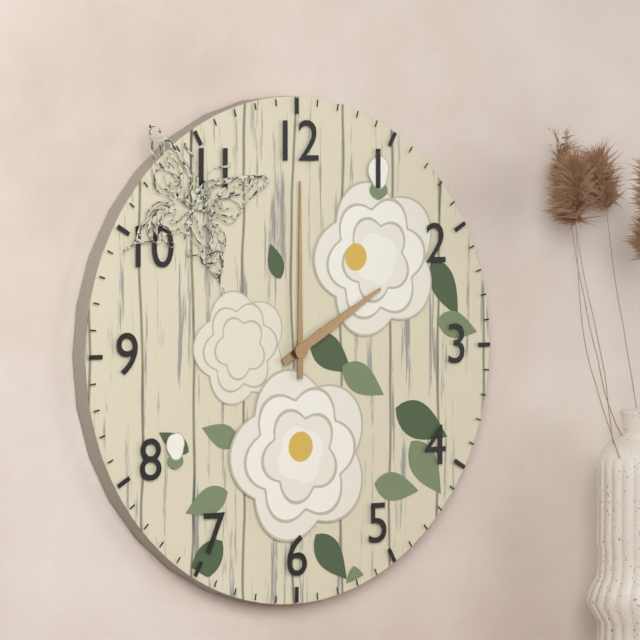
2:00
